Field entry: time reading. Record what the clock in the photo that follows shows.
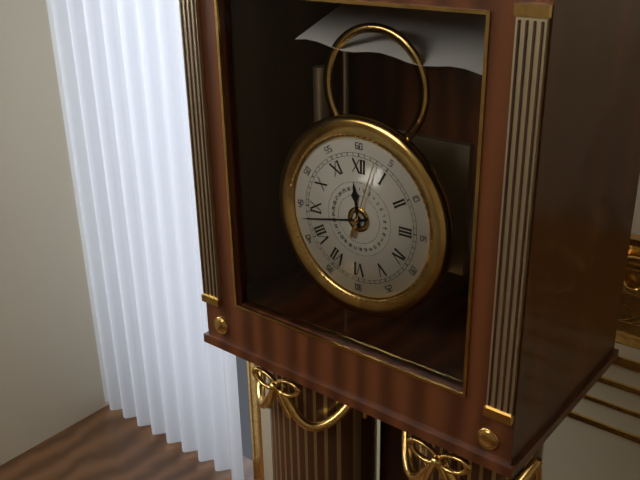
11:43:03
